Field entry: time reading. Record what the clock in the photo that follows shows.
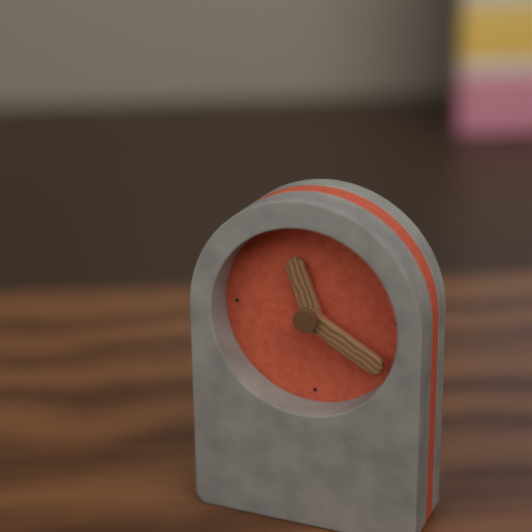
11:20
